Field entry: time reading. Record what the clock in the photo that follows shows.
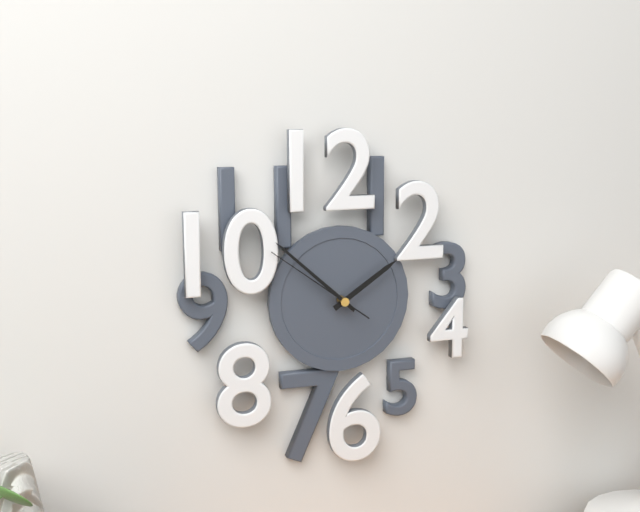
1:52:51
